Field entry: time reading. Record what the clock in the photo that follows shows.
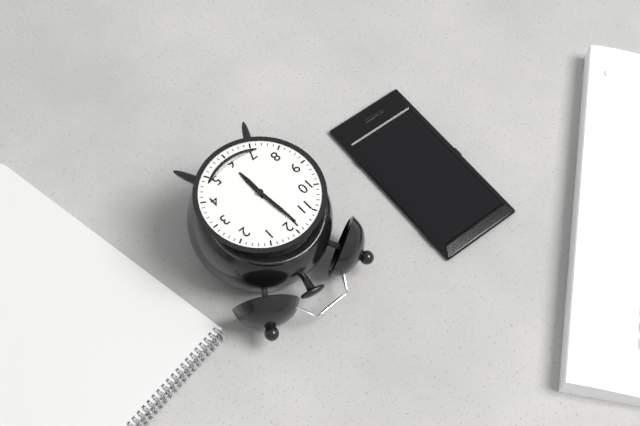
5:59
